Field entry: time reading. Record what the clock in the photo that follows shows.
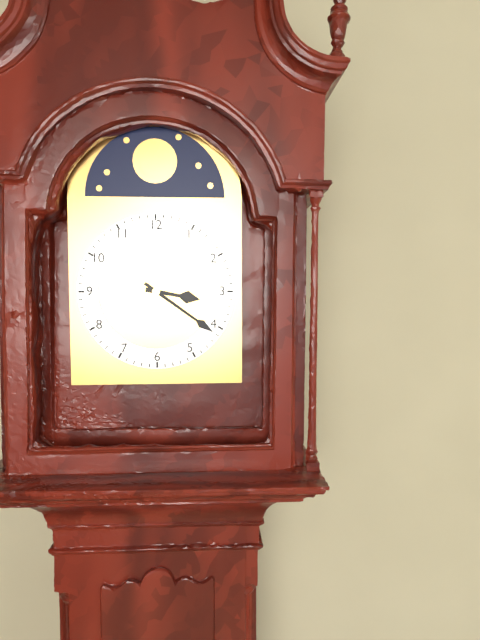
3:21
